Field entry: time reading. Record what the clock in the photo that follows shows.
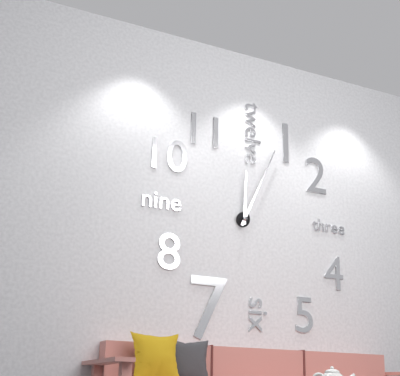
12:04
